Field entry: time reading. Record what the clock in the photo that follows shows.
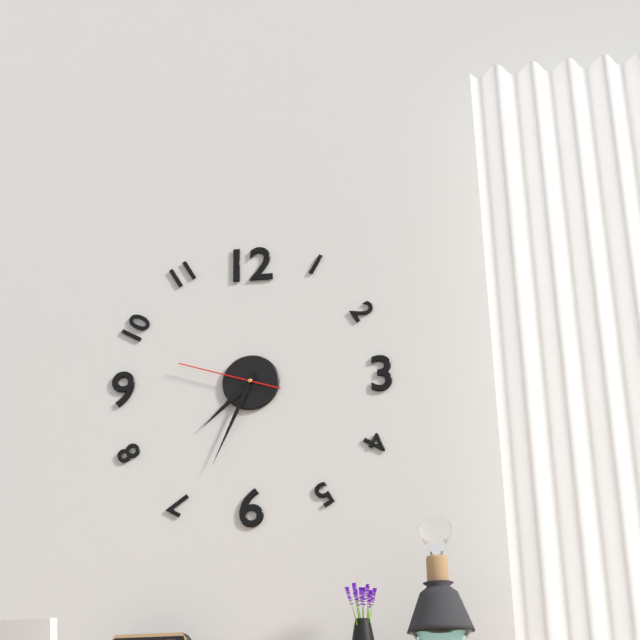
7:34:48
